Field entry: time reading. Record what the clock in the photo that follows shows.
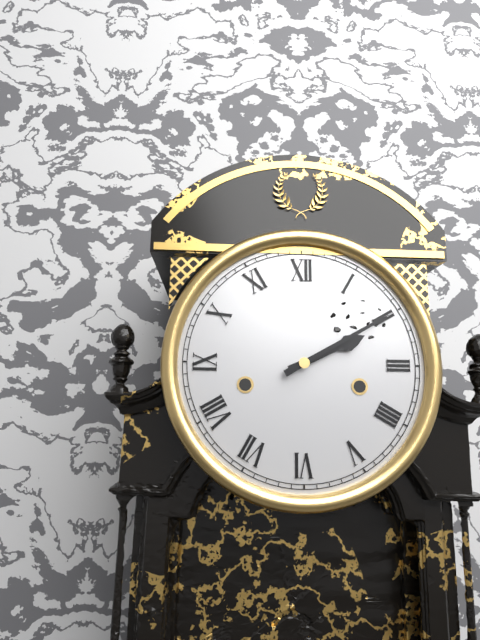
2:10
